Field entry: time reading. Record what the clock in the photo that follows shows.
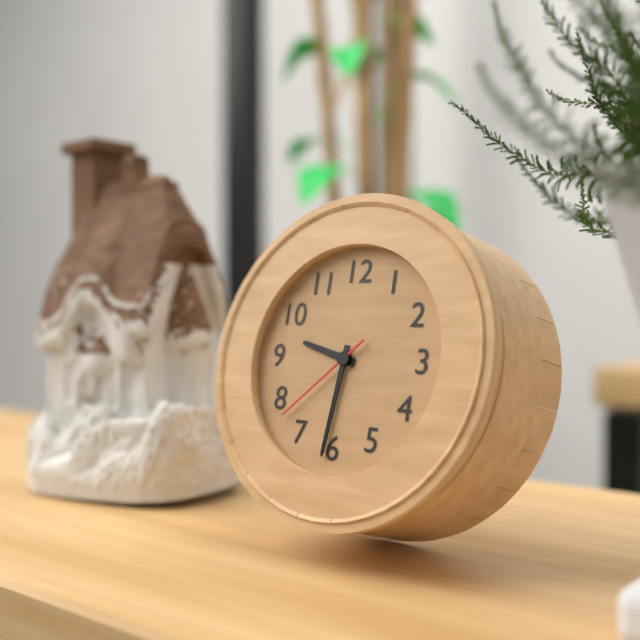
9:31:38
